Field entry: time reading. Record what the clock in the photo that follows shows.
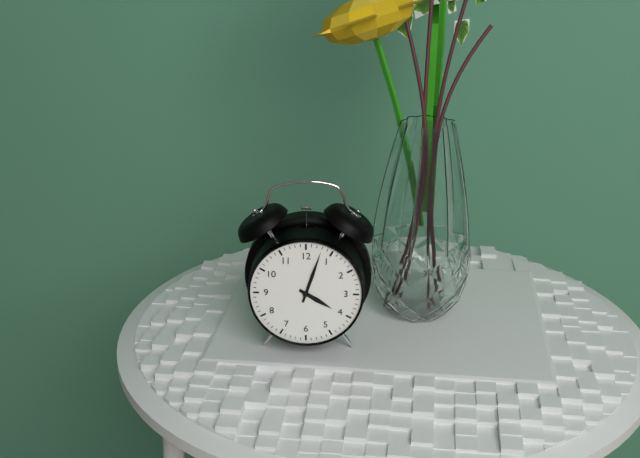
4:03
